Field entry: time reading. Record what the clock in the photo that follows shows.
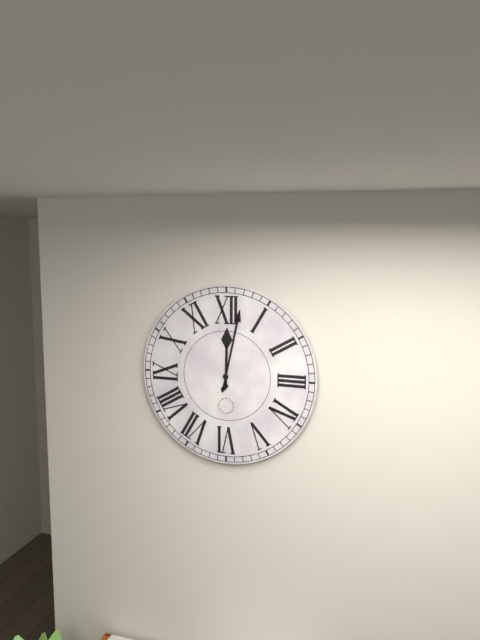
12:02
